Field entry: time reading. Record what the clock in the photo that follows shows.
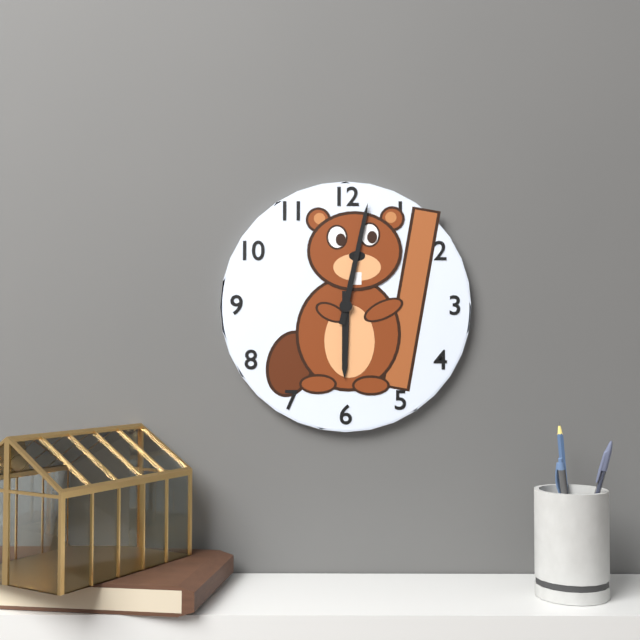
6:02
